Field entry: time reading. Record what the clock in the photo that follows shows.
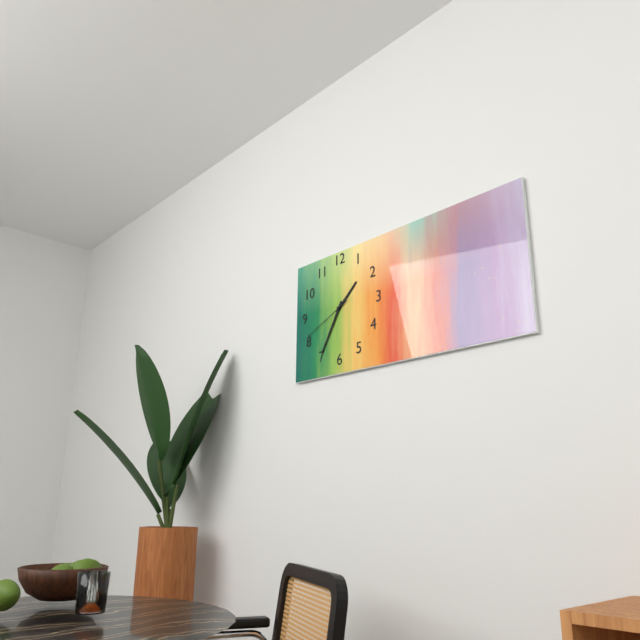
1:35:41
